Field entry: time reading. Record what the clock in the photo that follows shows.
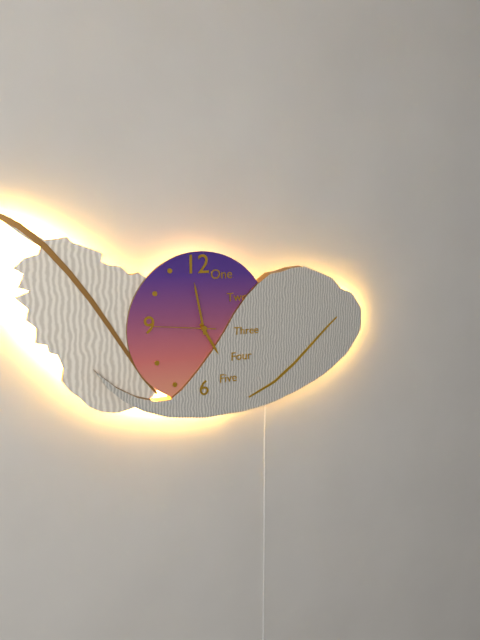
4:58:46
